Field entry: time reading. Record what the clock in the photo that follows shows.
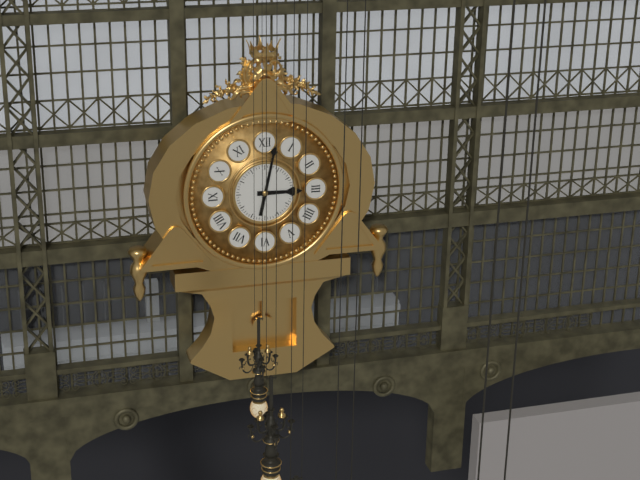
3:02
